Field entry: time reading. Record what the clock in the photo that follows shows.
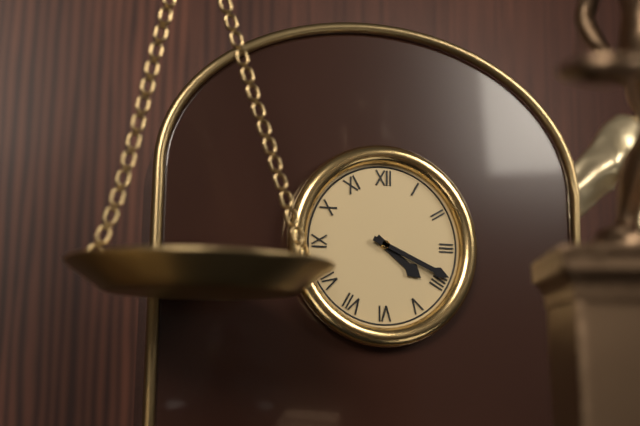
4:19
